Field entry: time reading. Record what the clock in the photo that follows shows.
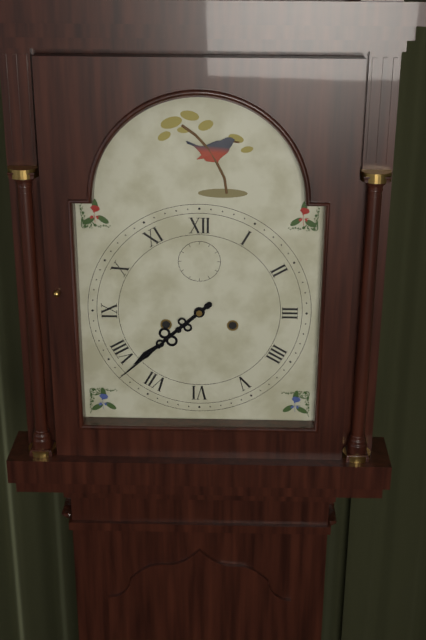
7:38
